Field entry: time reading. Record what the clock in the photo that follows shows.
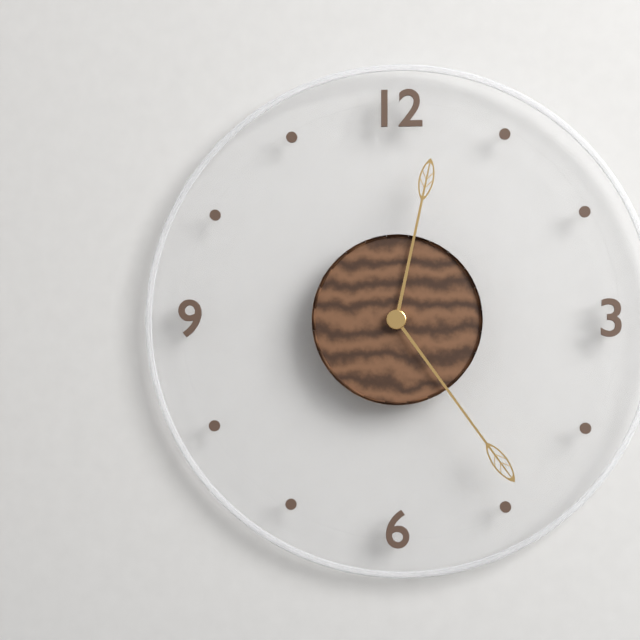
12:24
